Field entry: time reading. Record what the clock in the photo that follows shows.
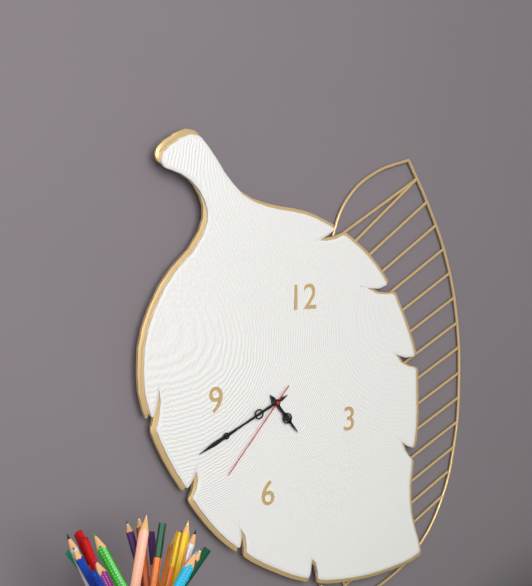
4:41:37
